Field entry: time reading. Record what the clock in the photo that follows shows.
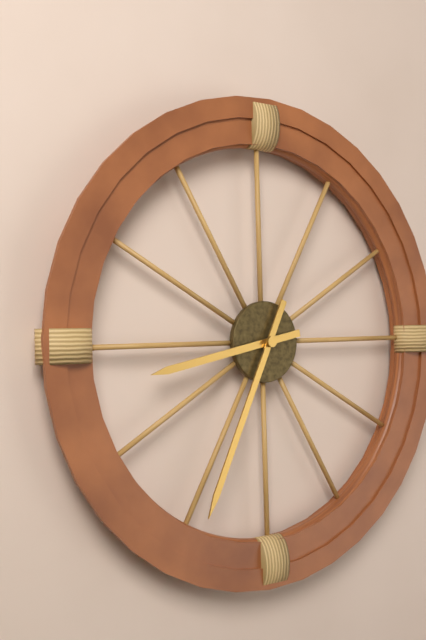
8:34
